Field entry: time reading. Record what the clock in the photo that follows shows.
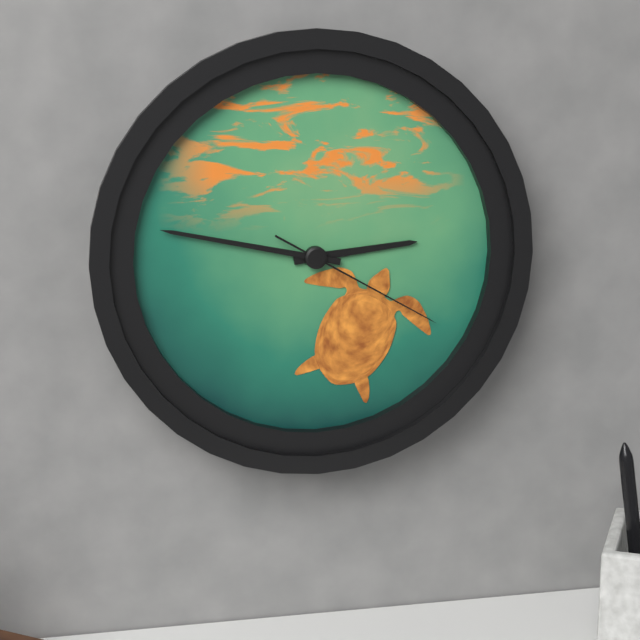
2:47:20
